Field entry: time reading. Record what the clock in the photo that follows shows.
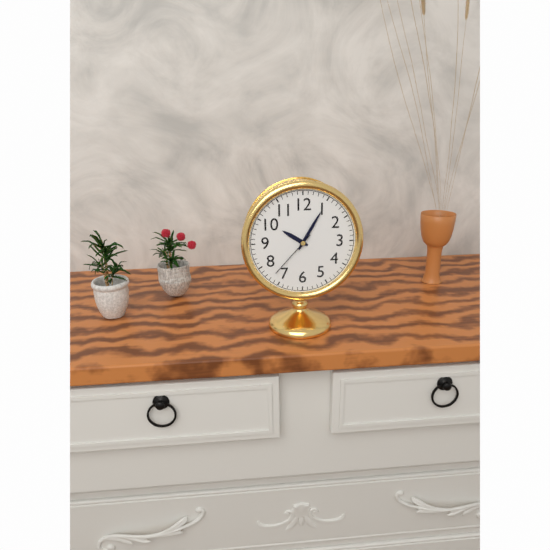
10:05:37
